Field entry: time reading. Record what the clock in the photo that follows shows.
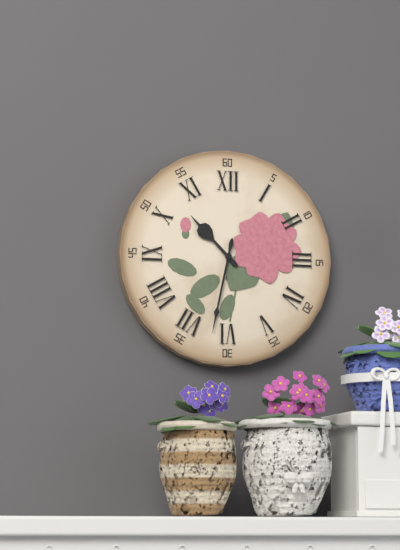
10:32
